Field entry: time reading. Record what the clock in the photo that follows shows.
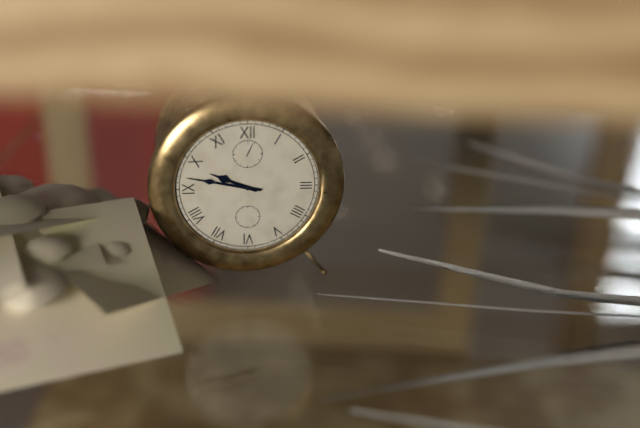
9:47
